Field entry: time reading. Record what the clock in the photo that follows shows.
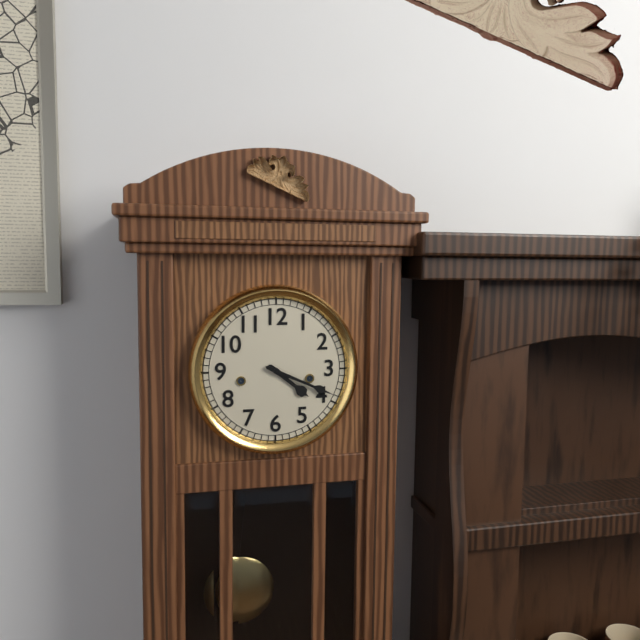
4:19
